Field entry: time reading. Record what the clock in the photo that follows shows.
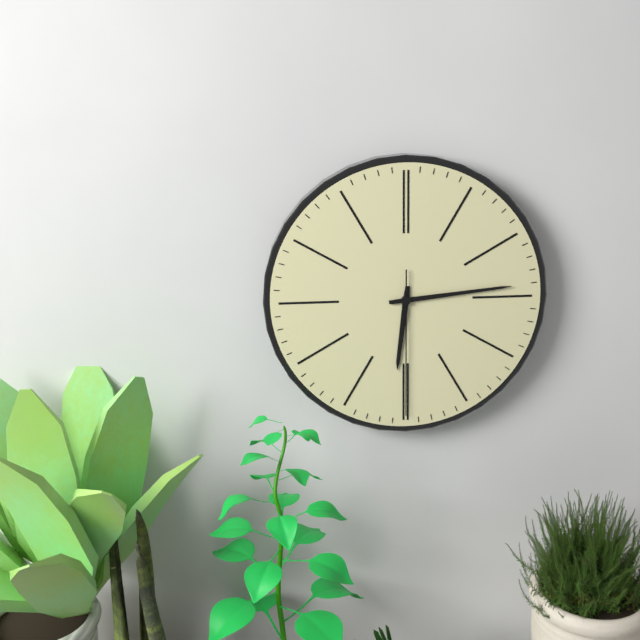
6:14:30
